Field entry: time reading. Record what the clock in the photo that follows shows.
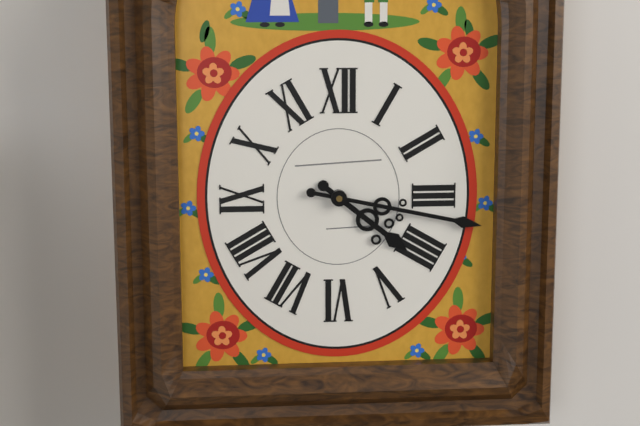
4:17
